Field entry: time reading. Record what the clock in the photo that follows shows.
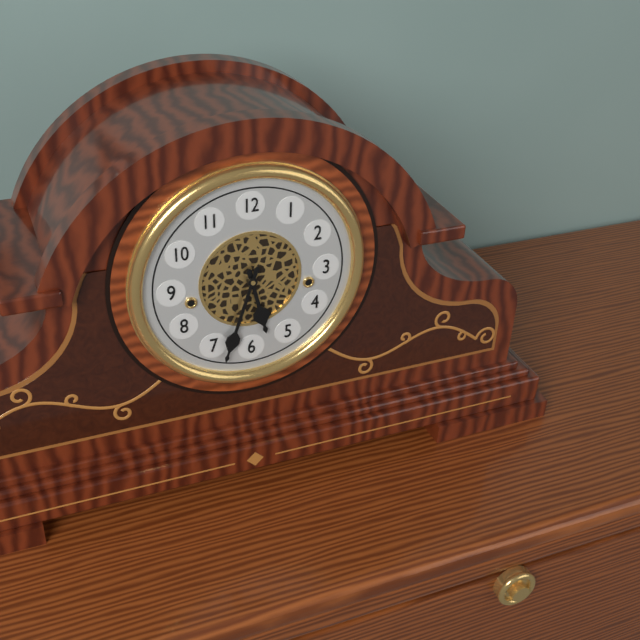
5:33
